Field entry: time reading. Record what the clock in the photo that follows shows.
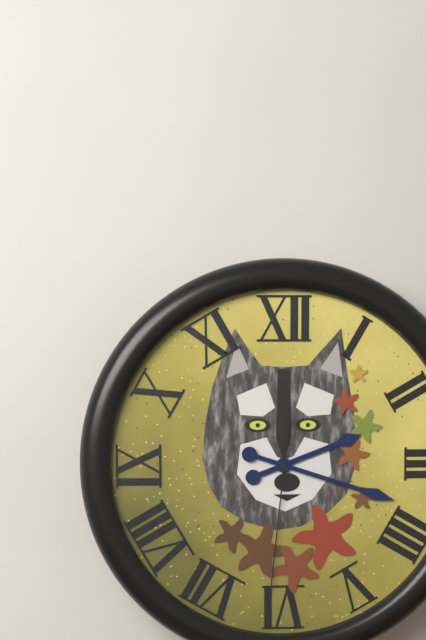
2:18:31
